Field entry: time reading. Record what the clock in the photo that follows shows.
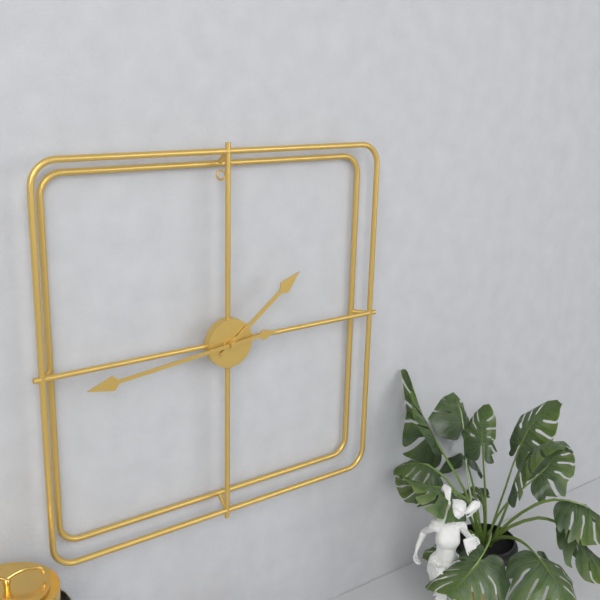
1:44
